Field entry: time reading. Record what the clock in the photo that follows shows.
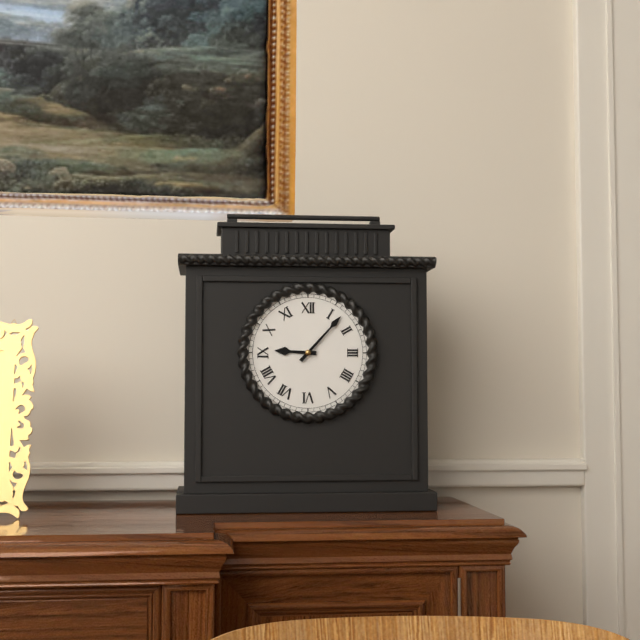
9:07
